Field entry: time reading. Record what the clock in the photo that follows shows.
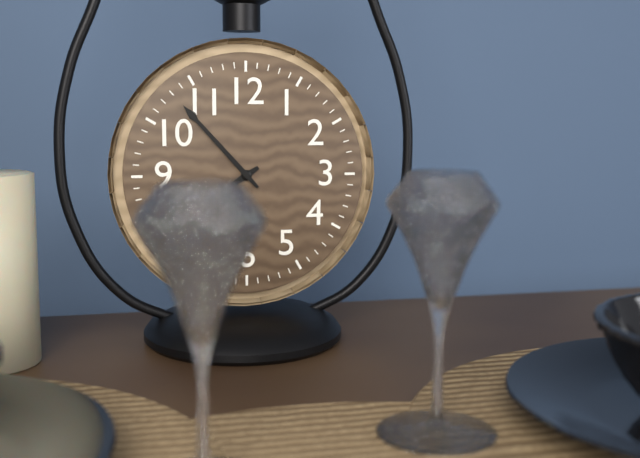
7:53
